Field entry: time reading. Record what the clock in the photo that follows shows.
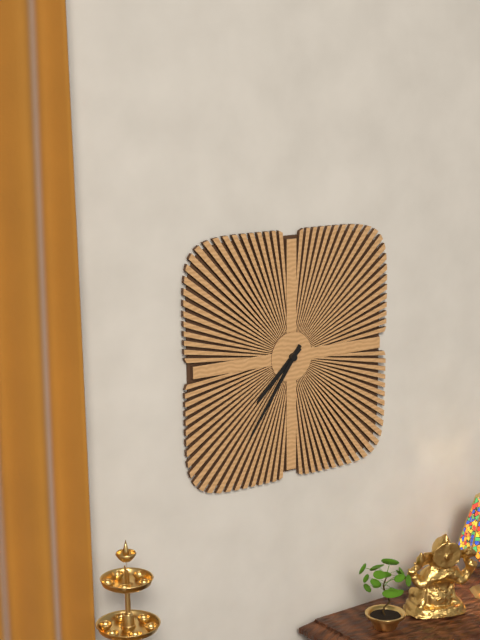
7:36
